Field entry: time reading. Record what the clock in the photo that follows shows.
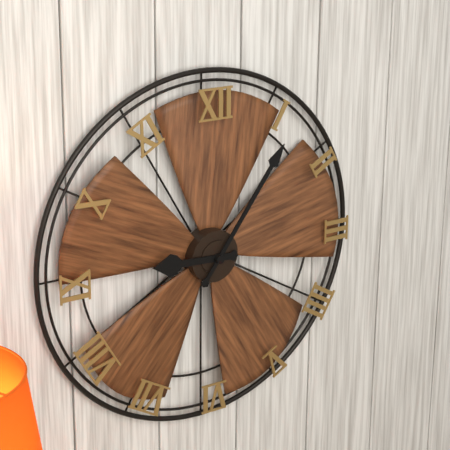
9:06
